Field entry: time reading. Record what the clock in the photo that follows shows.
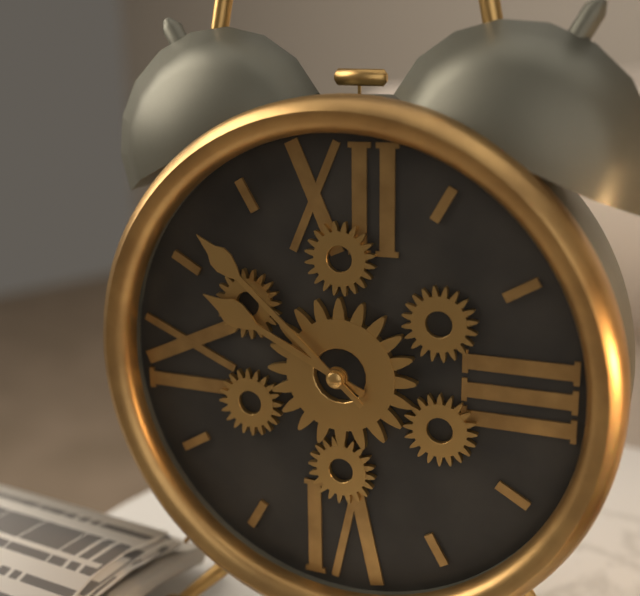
9:52
